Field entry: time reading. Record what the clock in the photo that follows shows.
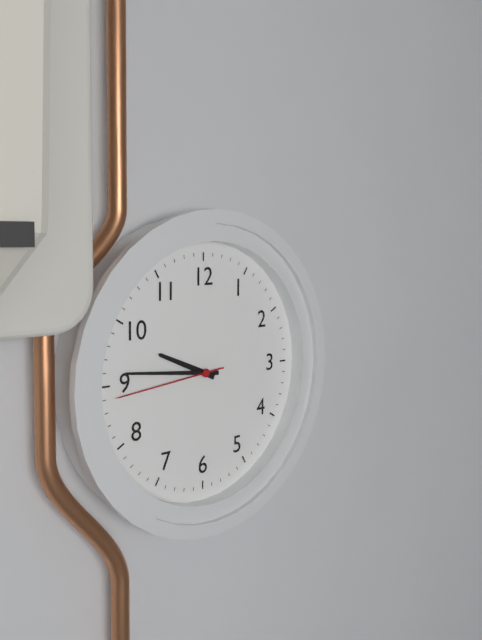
9:46:44
